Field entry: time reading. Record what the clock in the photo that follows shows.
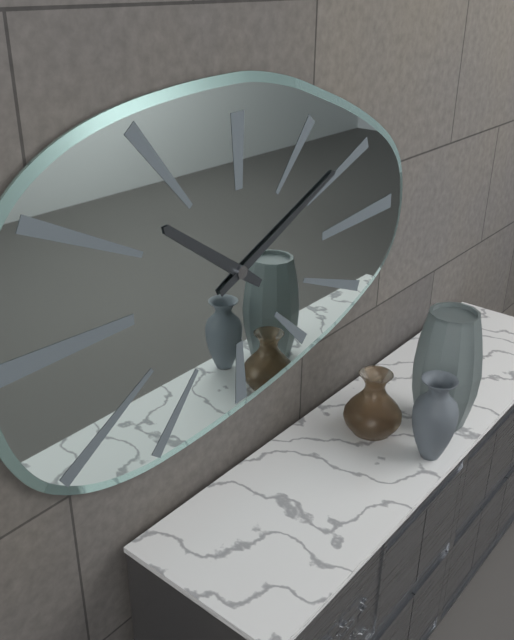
10:11
